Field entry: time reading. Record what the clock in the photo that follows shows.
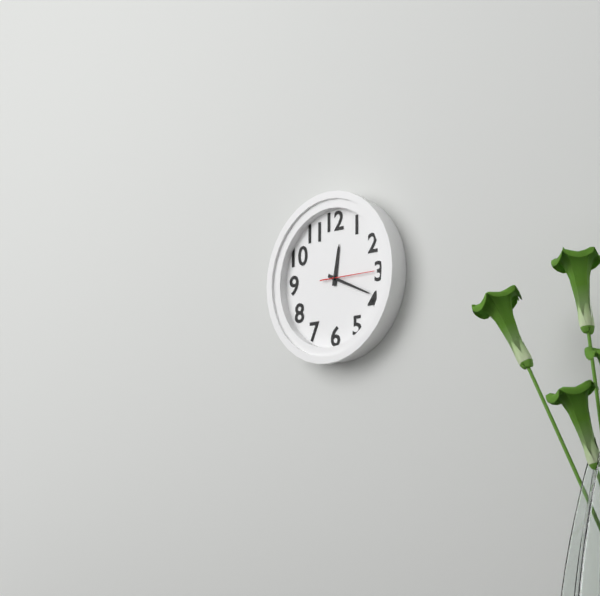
12:19
